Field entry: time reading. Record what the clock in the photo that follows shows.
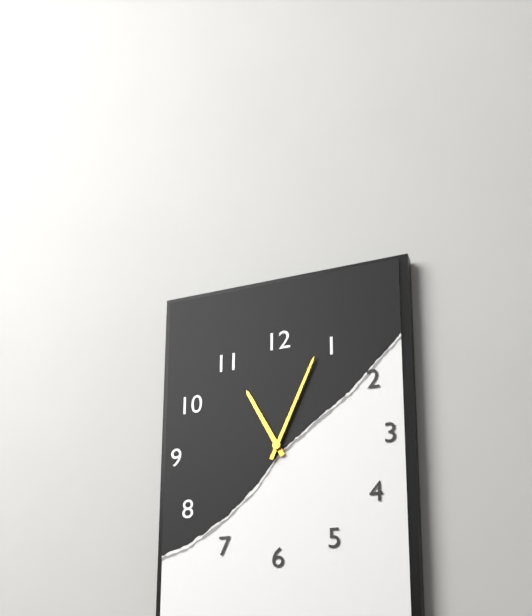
11:04
